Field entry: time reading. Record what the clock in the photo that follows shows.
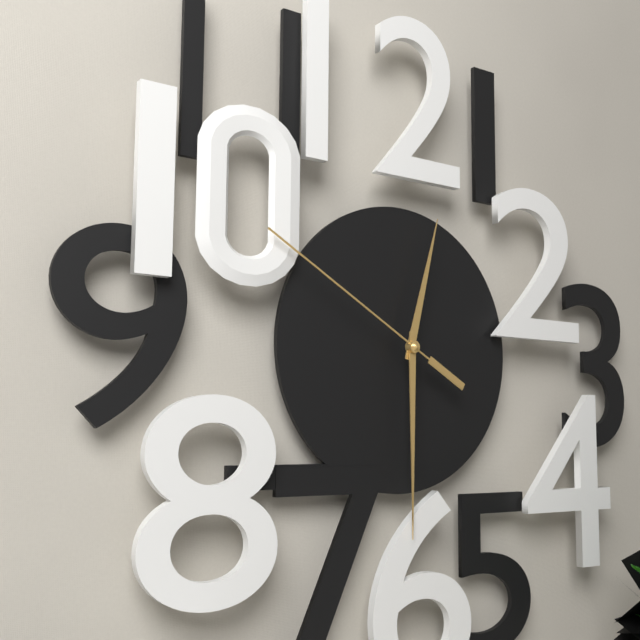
12:30:50
